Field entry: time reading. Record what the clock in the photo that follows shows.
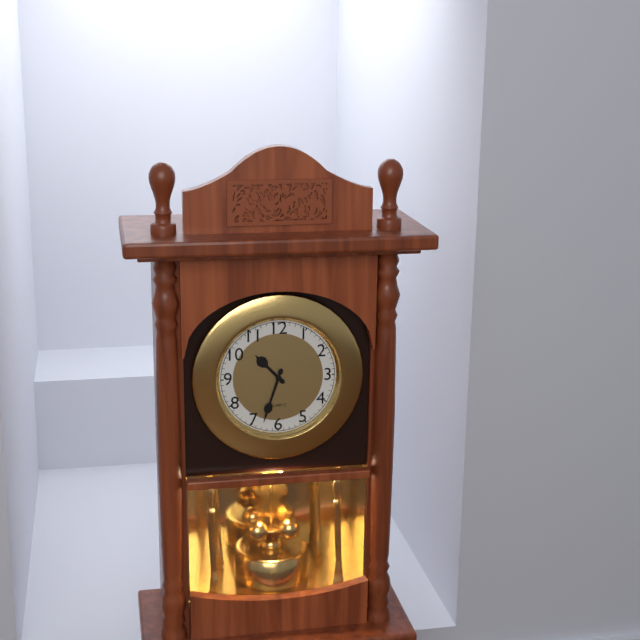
10:33
